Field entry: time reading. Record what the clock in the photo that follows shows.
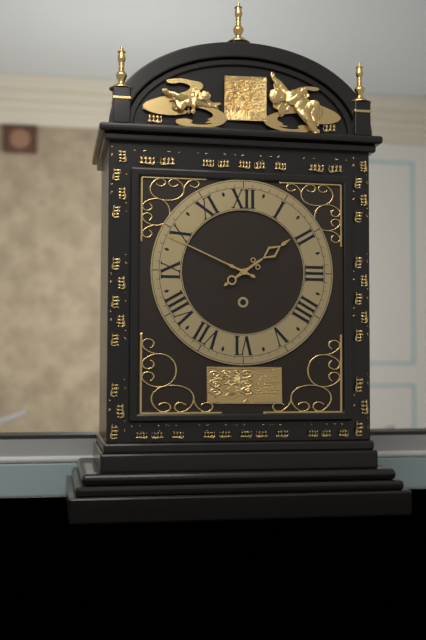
1:49
